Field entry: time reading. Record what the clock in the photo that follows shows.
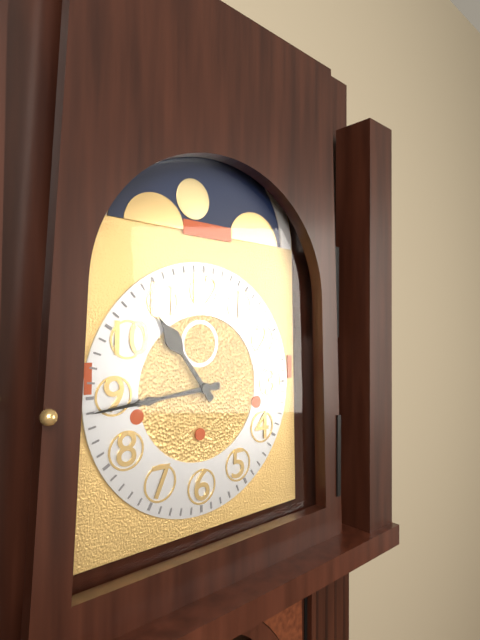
10:44
